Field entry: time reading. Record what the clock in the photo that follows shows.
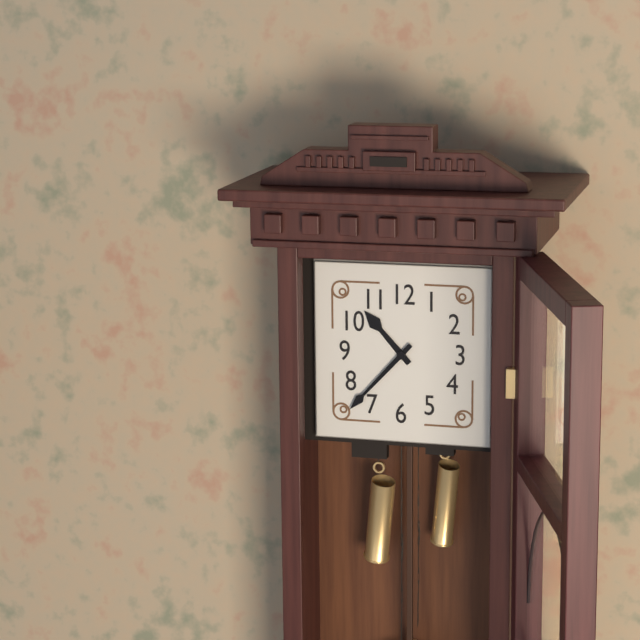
10:37
